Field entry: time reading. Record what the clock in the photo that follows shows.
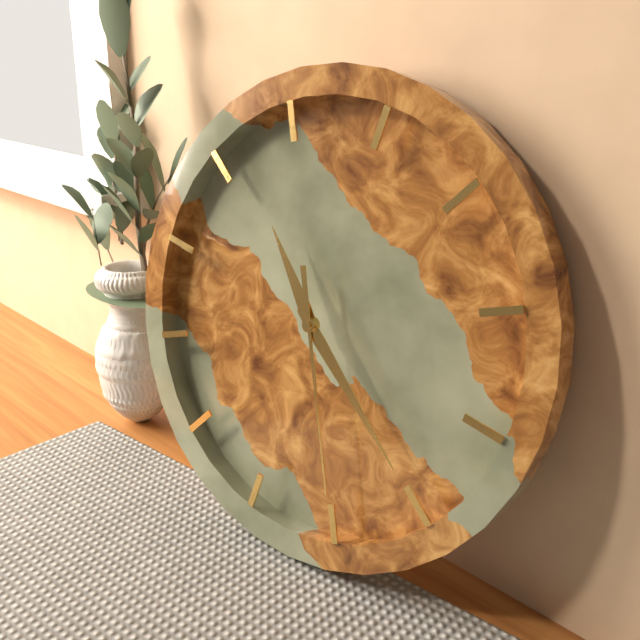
10:20:25
